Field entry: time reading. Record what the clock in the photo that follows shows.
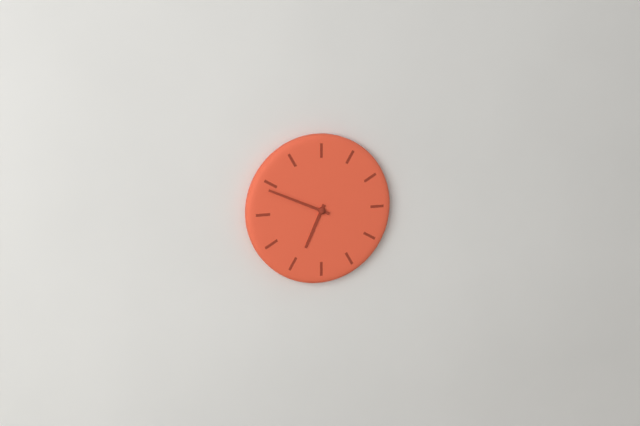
6:49
